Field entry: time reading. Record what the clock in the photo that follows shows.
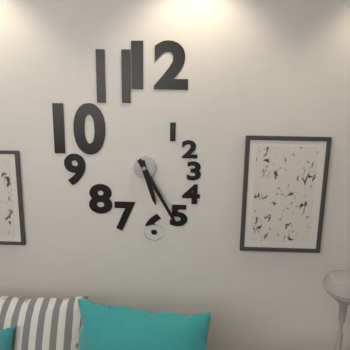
5:25
